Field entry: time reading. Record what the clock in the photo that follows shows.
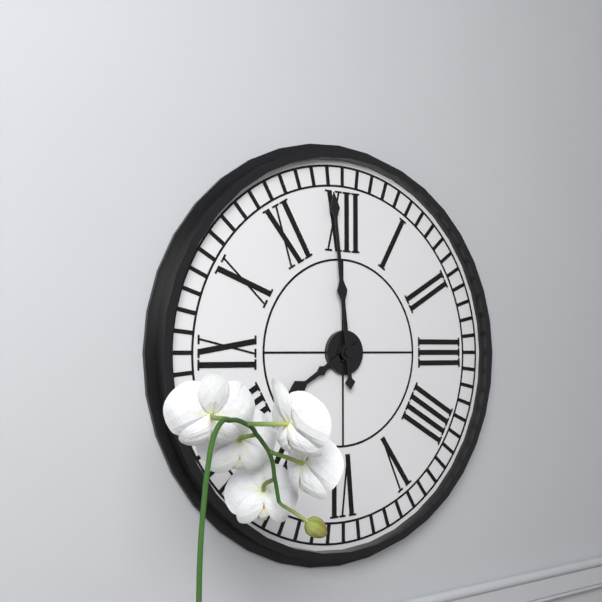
7:59
